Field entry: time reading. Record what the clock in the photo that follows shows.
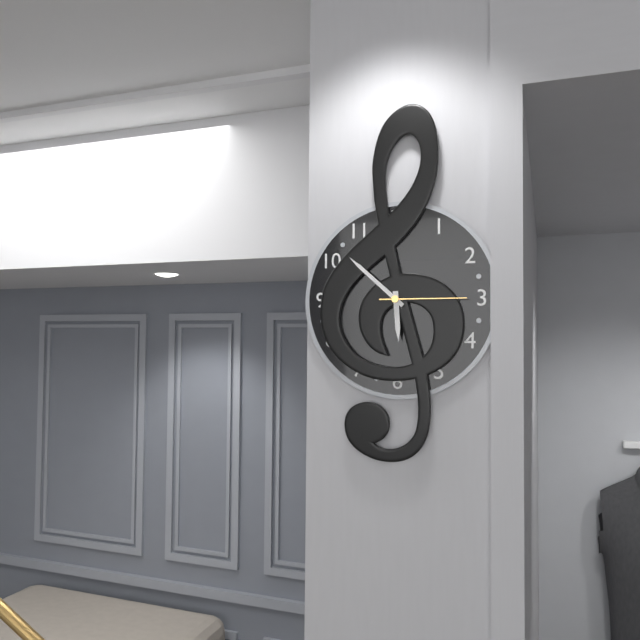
5:52:15
